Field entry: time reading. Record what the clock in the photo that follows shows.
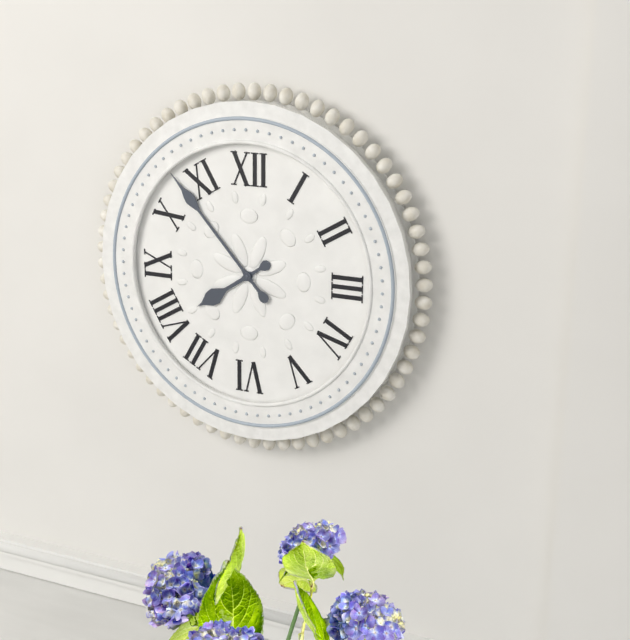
7:53
